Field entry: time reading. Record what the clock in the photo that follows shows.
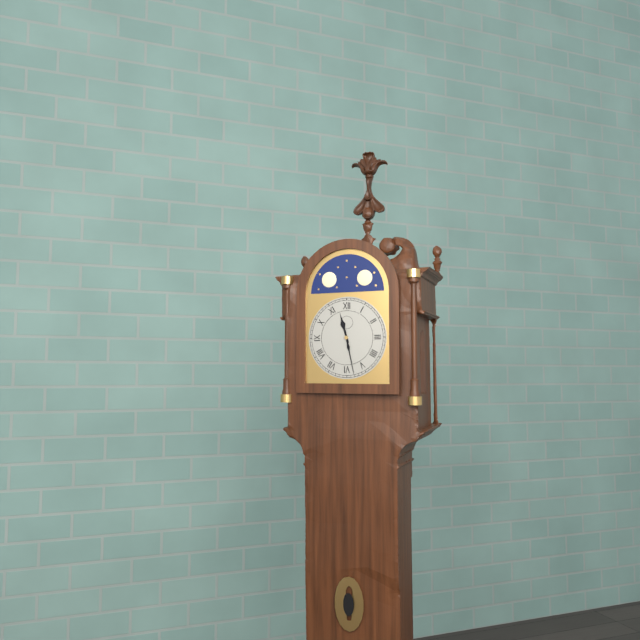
11:28
